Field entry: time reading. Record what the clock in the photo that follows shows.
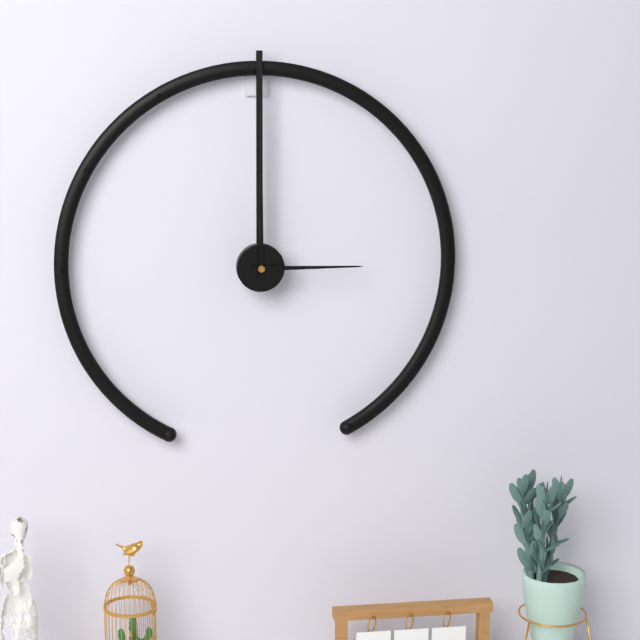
3:00
